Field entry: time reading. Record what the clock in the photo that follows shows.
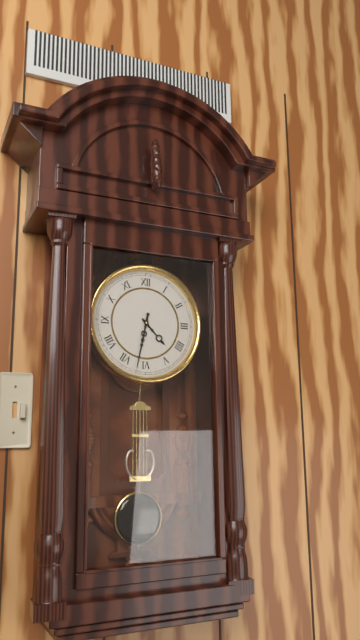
4:32
